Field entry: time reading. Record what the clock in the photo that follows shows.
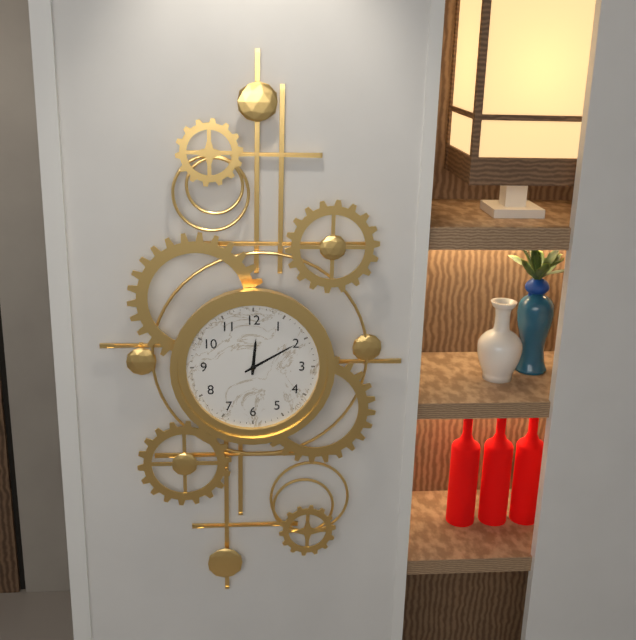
12:10
